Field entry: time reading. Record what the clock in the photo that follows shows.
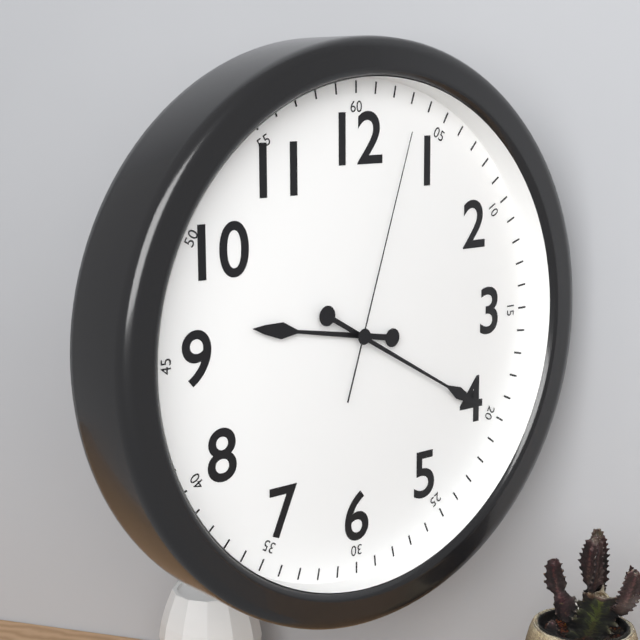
9:20:03
